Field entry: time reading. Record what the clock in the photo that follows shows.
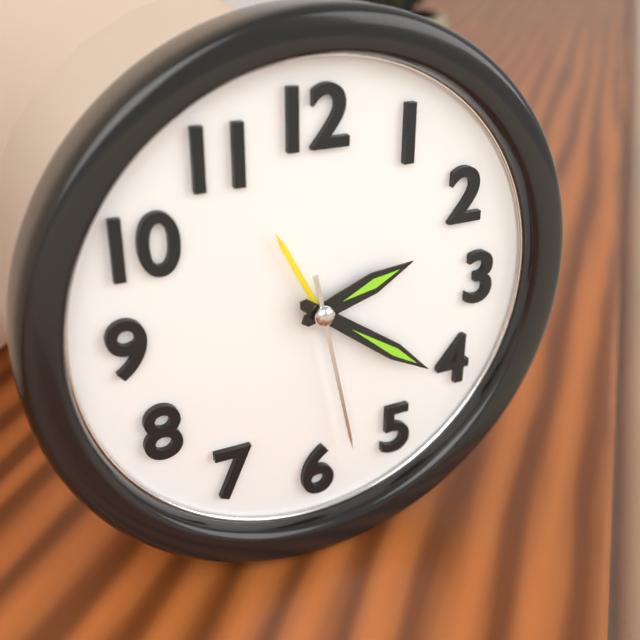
2:21:28
